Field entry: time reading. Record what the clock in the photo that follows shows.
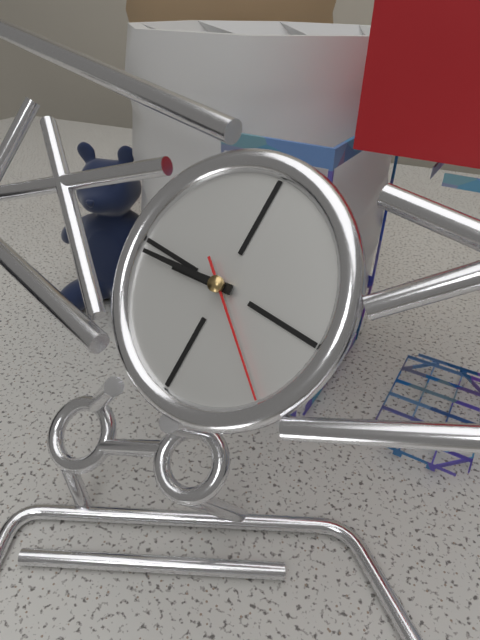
8:44:21
